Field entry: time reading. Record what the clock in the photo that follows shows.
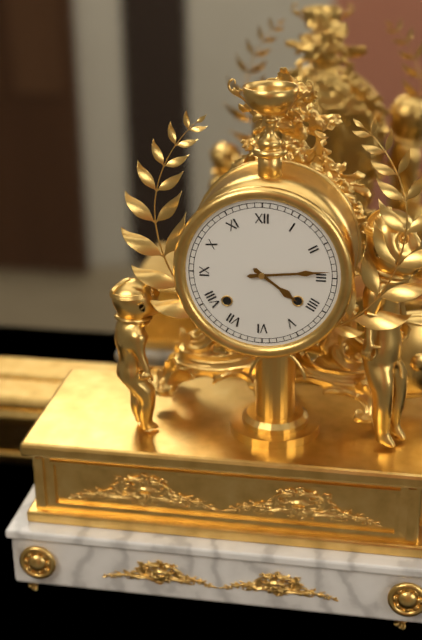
4:14
